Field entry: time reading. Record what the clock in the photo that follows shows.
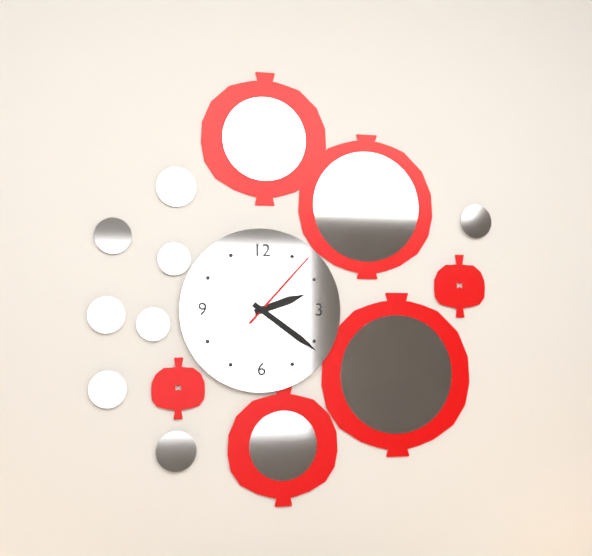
2:21:07
